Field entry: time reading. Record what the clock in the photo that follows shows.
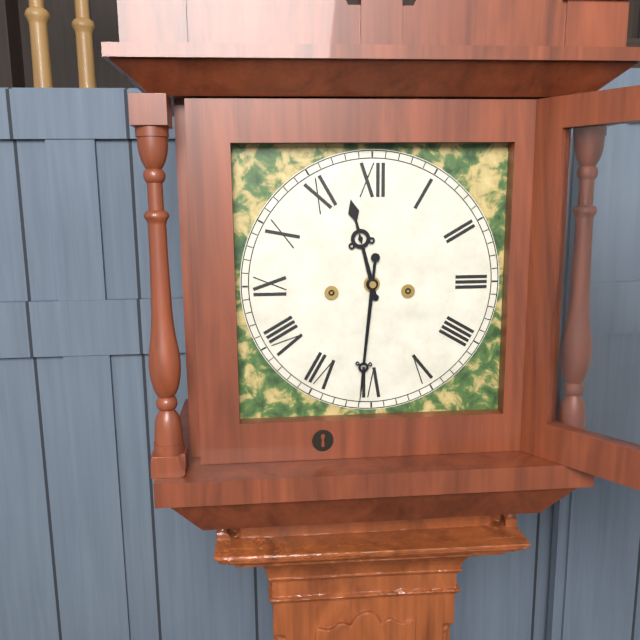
11:31
